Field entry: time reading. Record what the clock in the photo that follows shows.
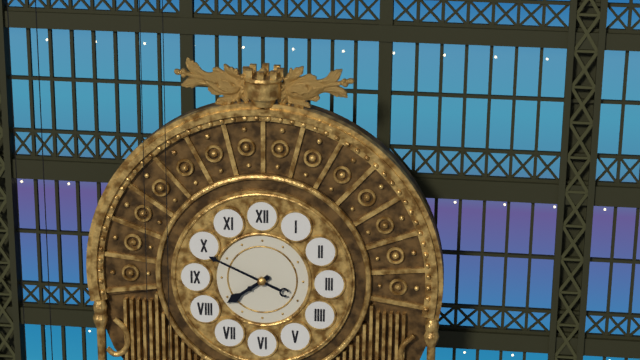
7:49
